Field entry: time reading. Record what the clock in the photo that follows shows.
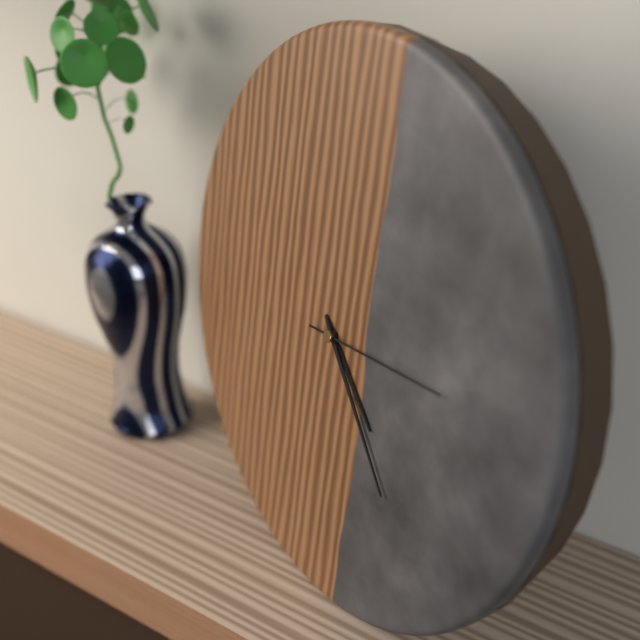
4:23:14
